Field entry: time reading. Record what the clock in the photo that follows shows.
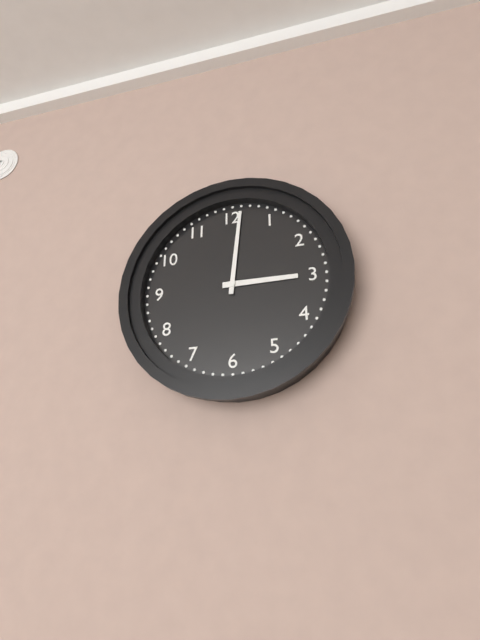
3:01
